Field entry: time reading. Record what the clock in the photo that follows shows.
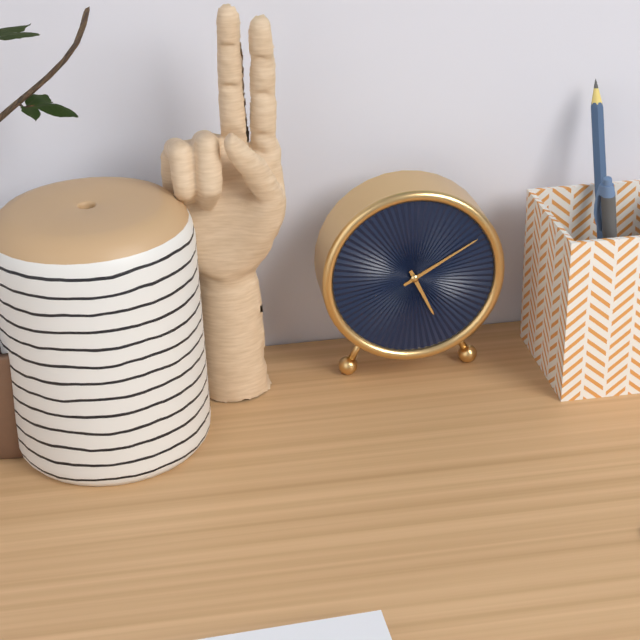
5:10
